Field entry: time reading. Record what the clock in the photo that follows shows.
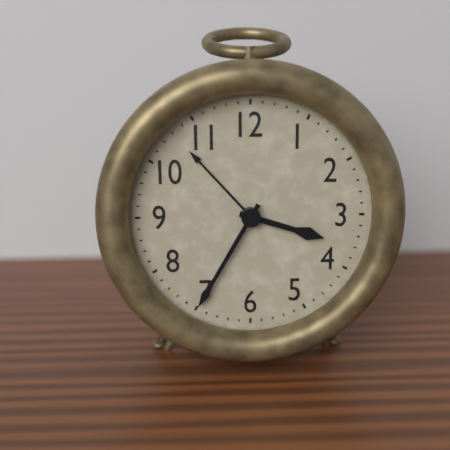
3:35
